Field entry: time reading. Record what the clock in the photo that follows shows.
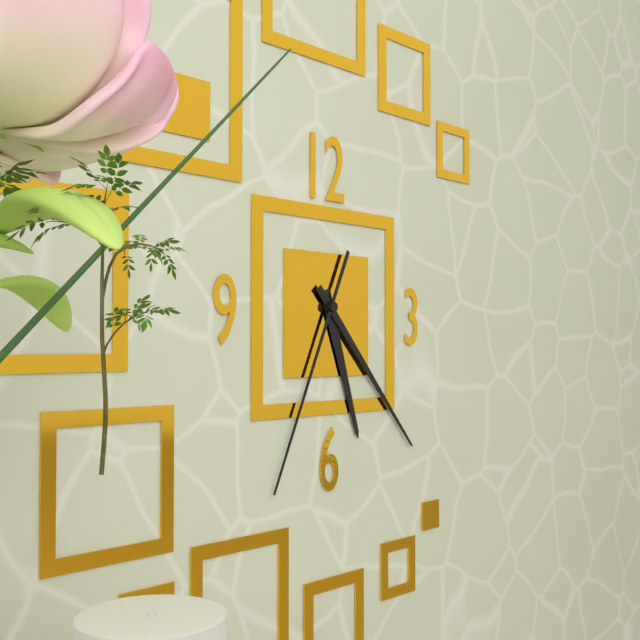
5:23:34
